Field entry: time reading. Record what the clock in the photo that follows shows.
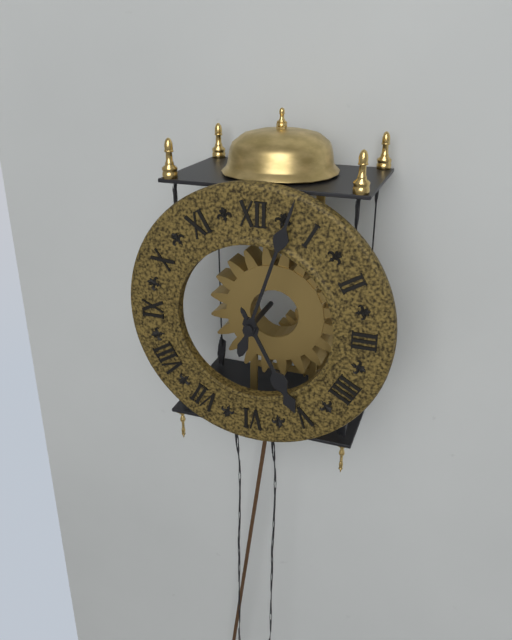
5:03
